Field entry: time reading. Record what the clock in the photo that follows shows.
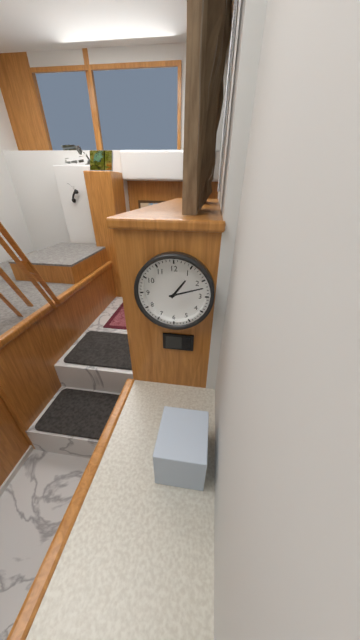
1:12
